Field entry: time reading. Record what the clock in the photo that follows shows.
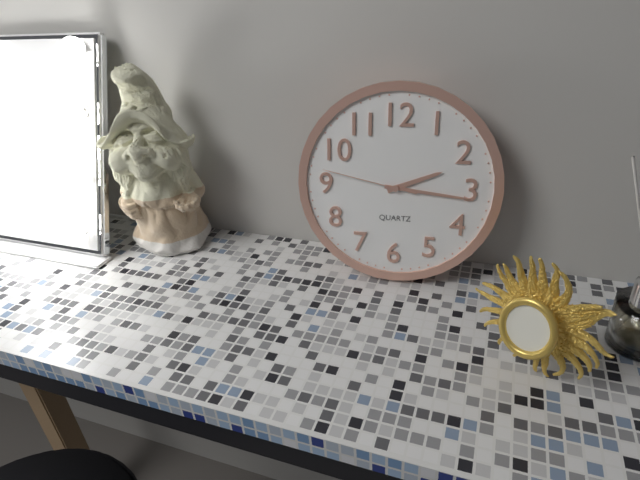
2:16:47
